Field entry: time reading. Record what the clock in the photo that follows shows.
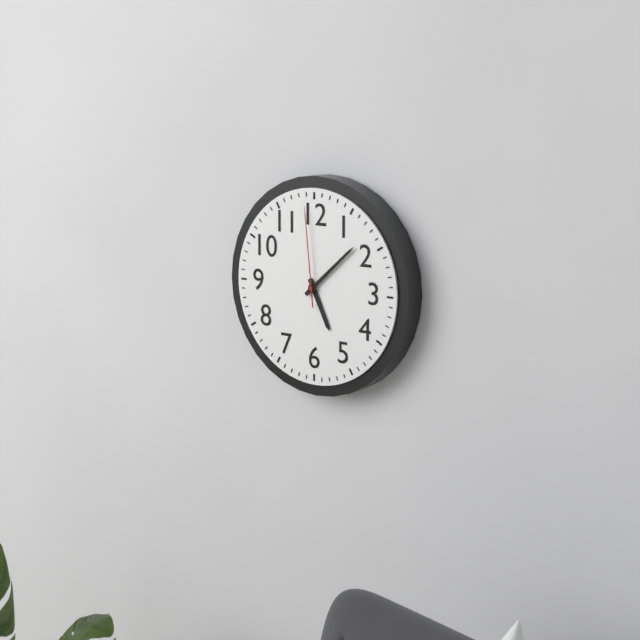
5:08:59
